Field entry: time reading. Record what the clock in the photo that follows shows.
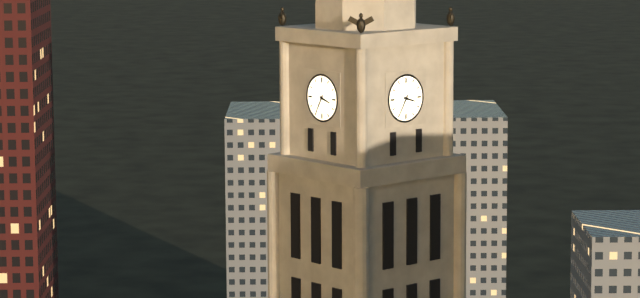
3:35
